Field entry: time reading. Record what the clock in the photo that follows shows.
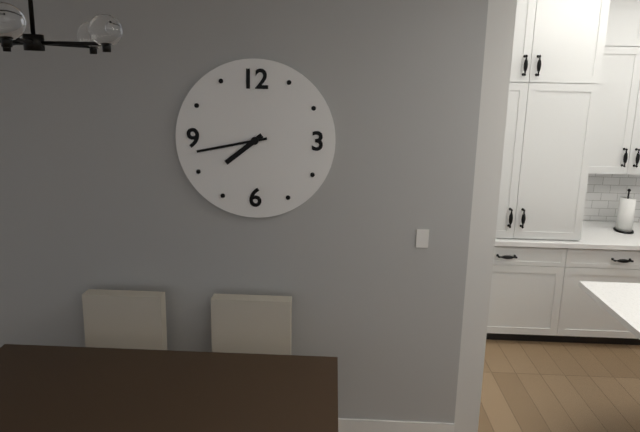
7:43
